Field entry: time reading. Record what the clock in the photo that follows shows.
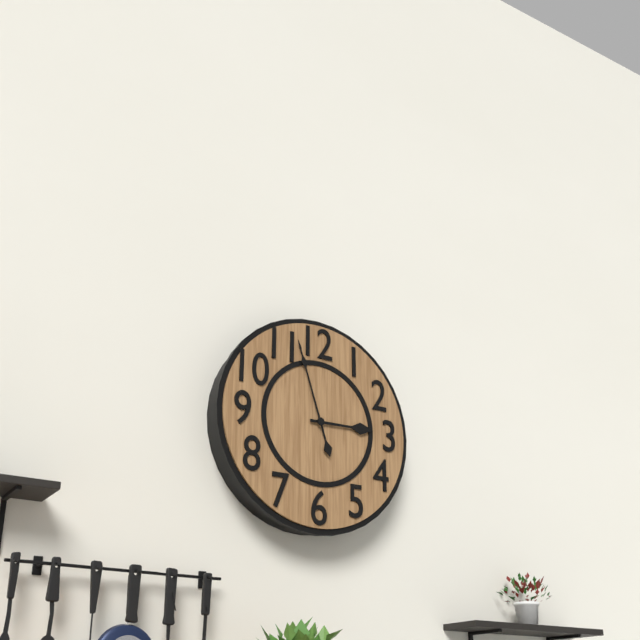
2:57
